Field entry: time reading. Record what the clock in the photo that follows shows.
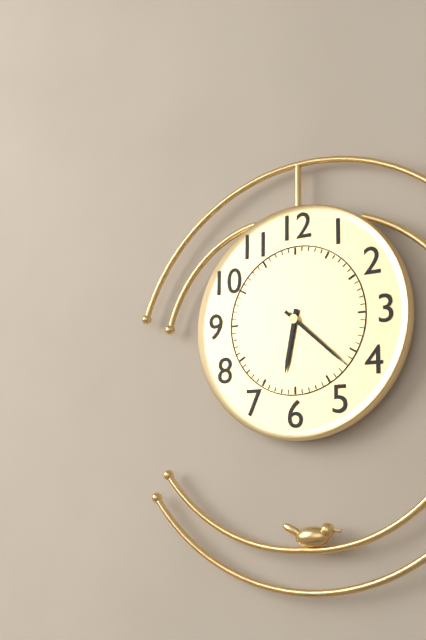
6:22
